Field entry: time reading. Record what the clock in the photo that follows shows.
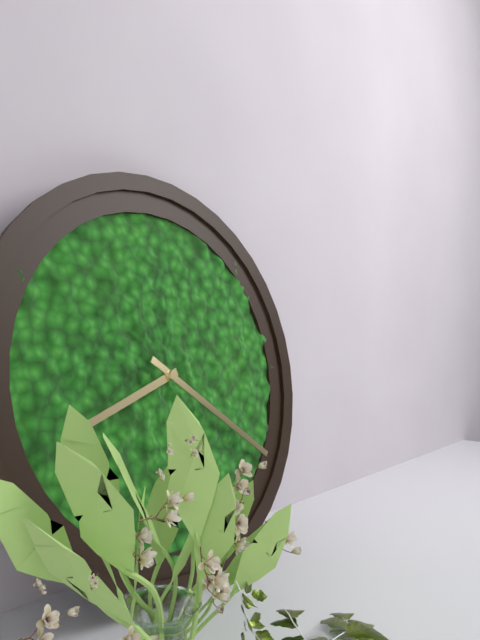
8:21
